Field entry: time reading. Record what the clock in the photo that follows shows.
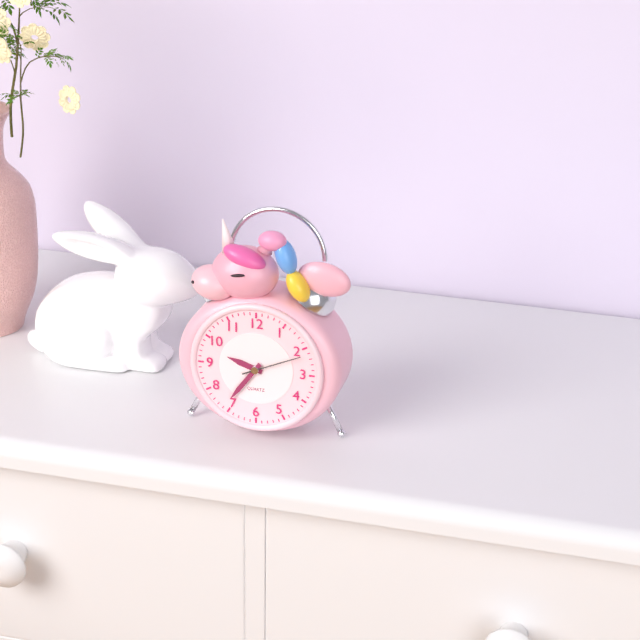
9:36:11
